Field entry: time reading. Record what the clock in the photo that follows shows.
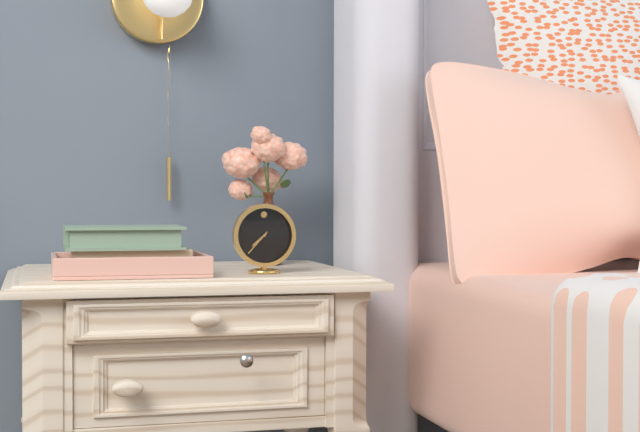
7:37
